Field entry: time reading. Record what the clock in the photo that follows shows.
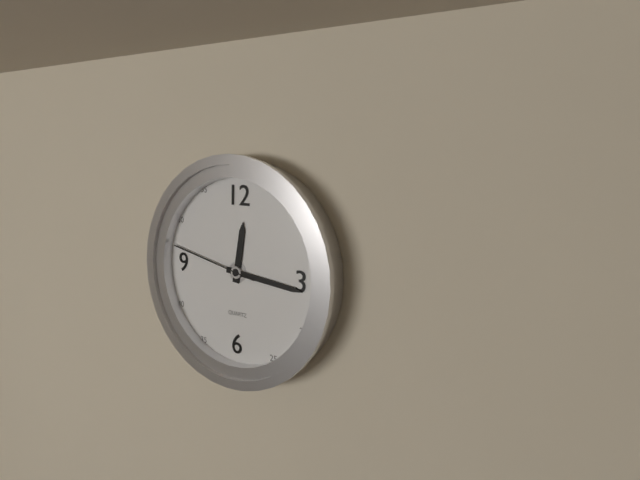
12:16:47
